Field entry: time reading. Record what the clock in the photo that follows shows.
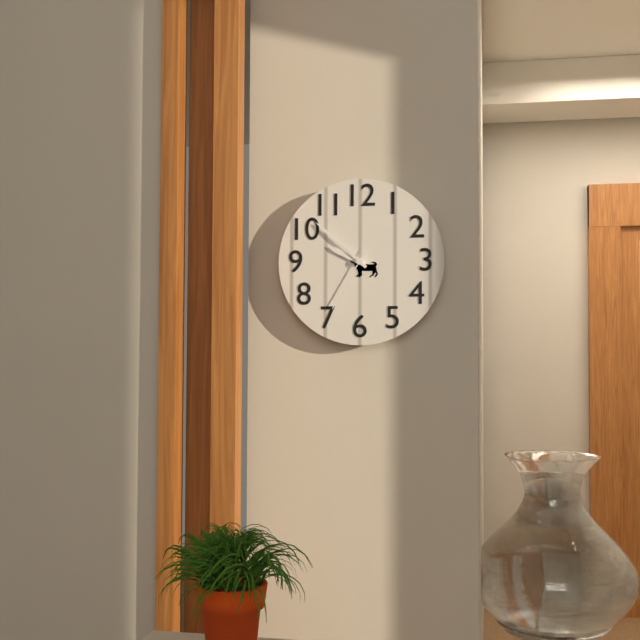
9:52:35
